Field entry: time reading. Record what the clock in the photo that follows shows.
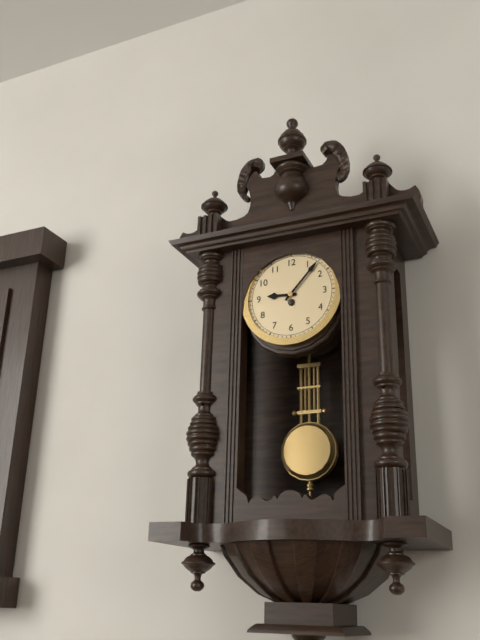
9:07
